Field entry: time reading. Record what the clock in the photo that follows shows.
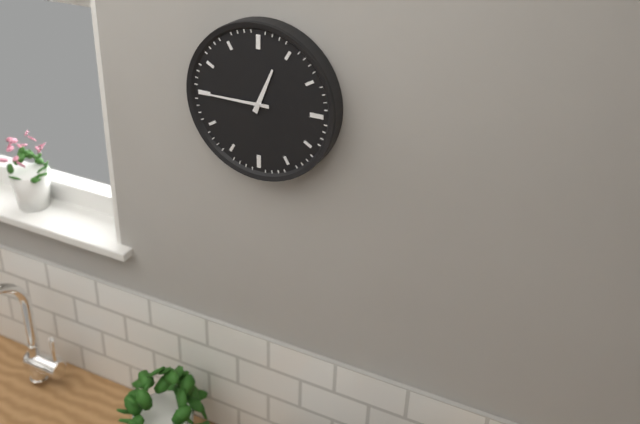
12:45
